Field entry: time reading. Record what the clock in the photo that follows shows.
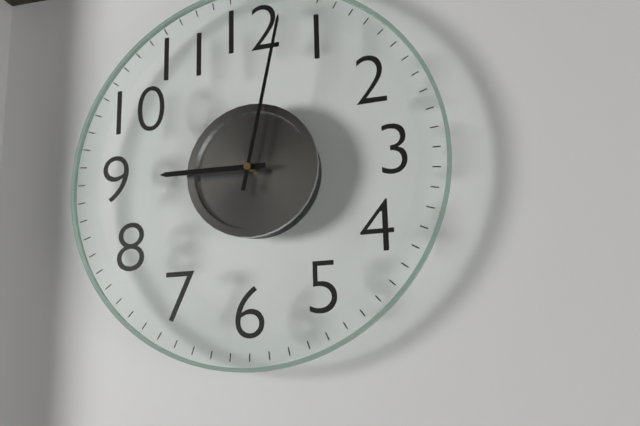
9:02
